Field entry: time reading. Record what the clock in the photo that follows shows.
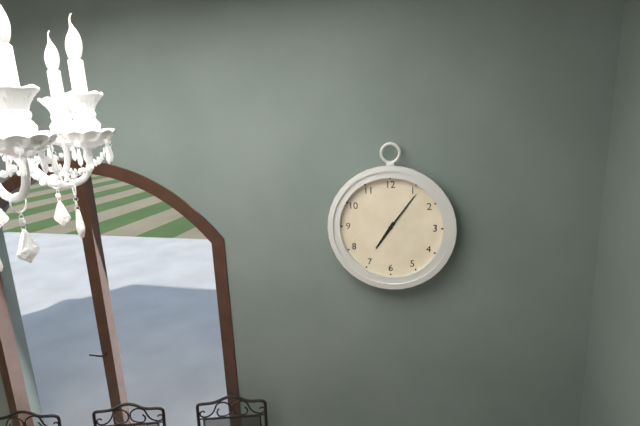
7:06
